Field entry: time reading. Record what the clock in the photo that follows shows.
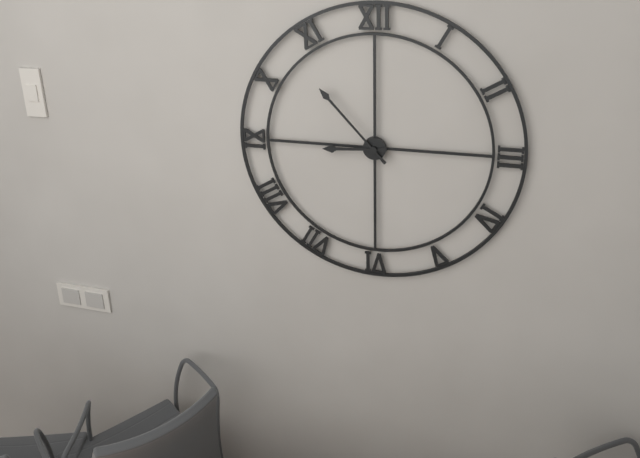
8:53
